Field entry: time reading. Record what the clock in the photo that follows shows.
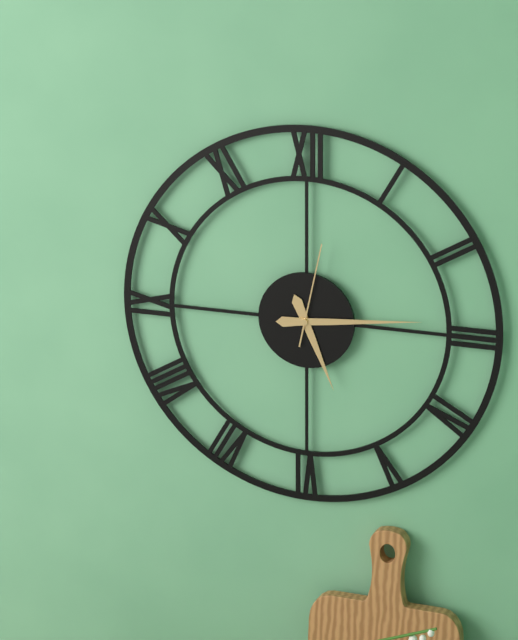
5:14:02
